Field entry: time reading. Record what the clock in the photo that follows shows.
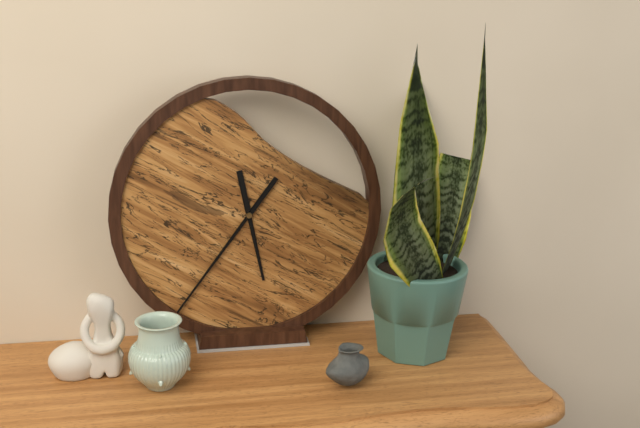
5:36
